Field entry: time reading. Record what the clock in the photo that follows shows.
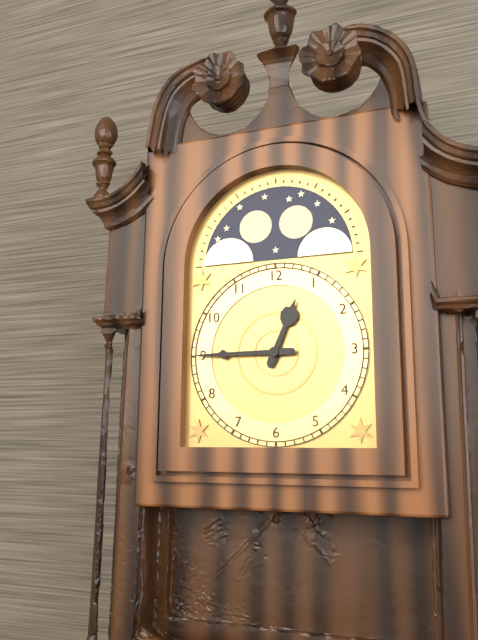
12:45
